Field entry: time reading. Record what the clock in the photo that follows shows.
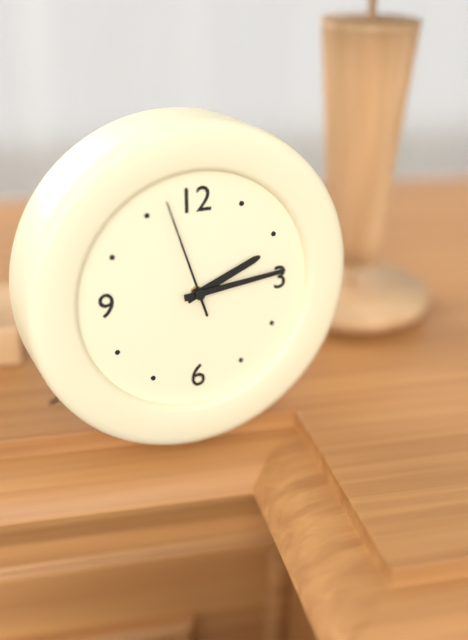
2:14:57
